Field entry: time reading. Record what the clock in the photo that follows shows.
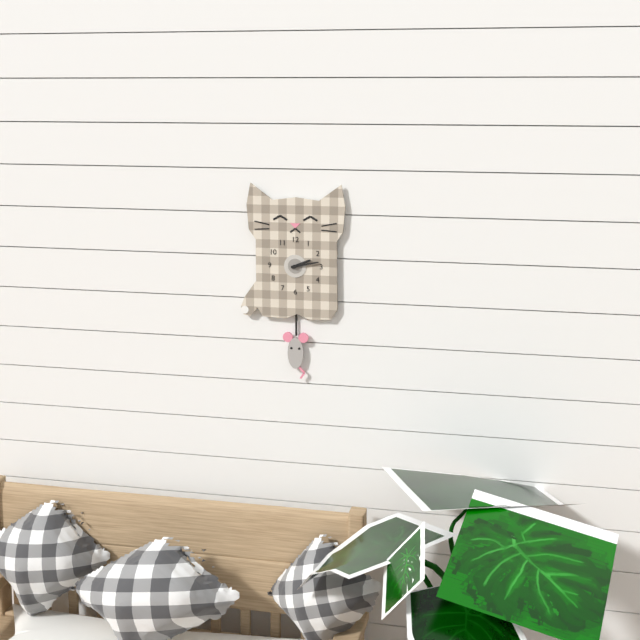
2:13
